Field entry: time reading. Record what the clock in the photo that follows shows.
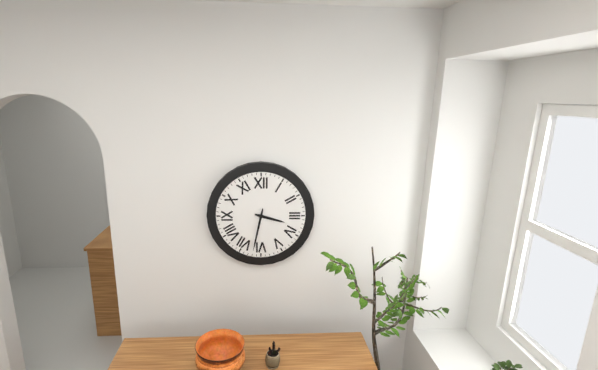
3:32
